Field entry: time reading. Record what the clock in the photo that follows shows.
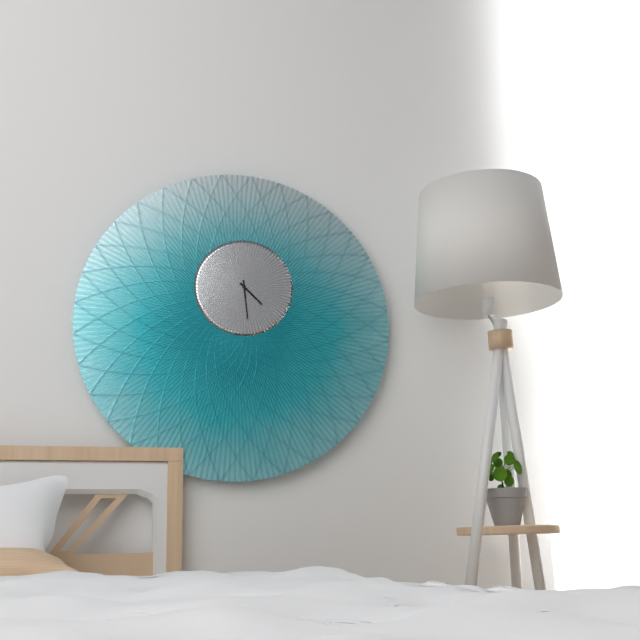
4:29
